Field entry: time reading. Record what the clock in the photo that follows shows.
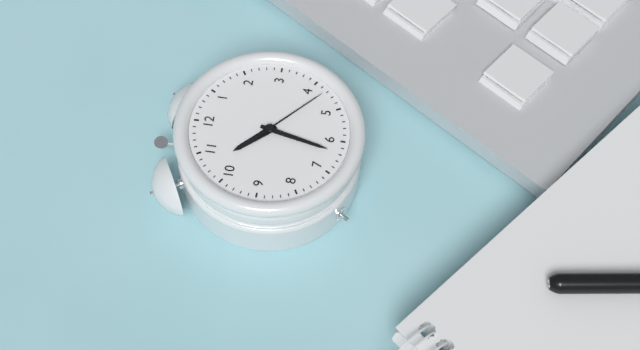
10:32:22
